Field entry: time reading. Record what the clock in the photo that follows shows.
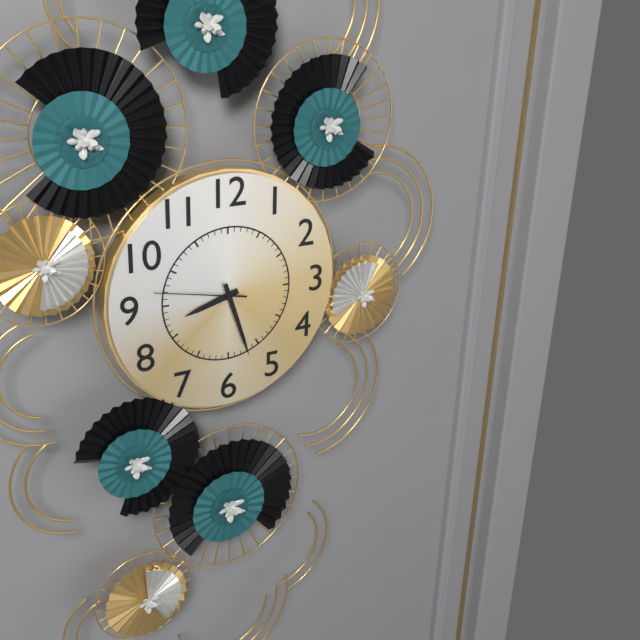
8:27:47
